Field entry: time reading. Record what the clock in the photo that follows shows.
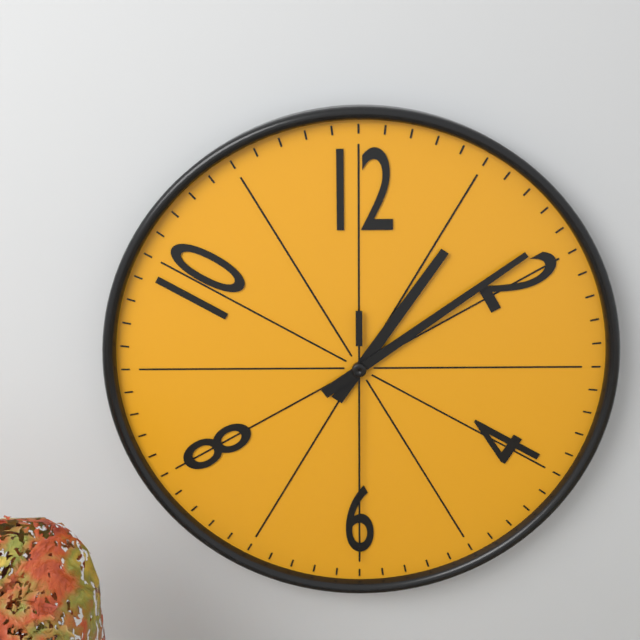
1:09:30
